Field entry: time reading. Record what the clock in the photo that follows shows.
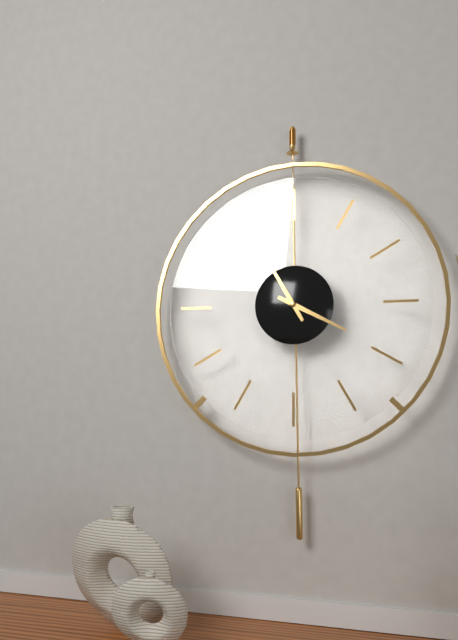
3:55
